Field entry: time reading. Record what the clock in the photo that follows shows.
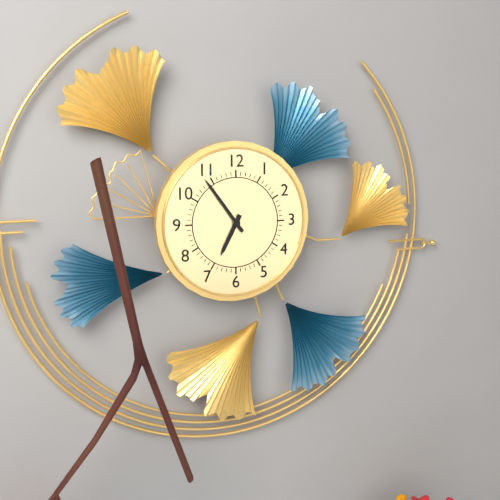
6:54
